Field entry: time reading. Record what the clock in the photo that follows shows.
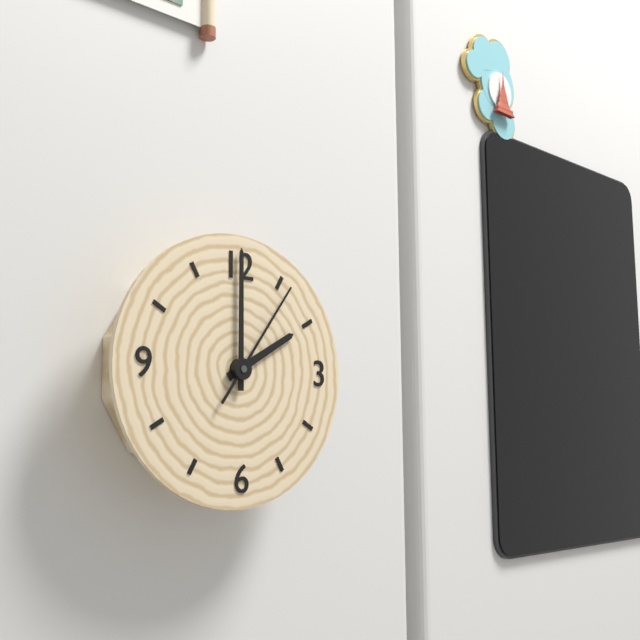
2:00:06
